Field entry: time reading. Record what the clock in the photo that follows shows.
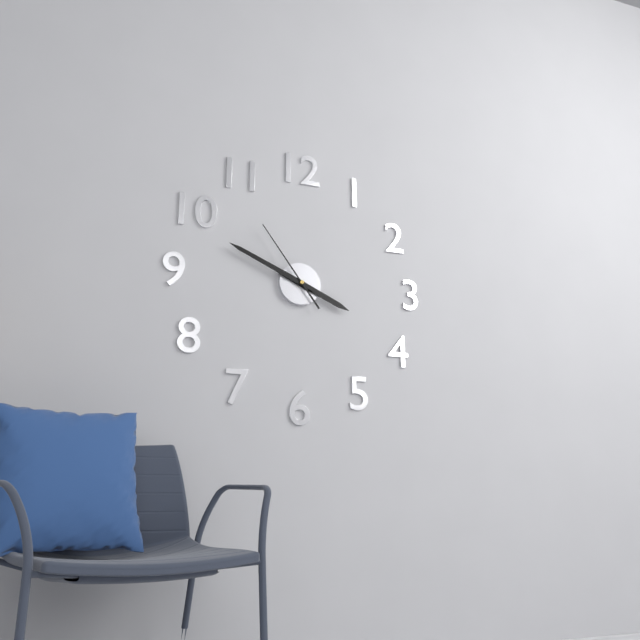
3:49:54
